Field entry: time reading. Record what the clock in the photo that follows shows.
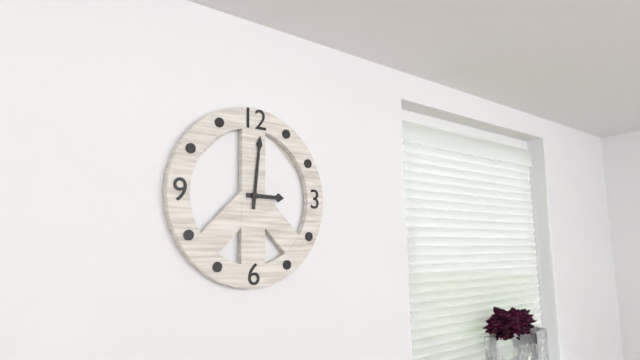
3:01
